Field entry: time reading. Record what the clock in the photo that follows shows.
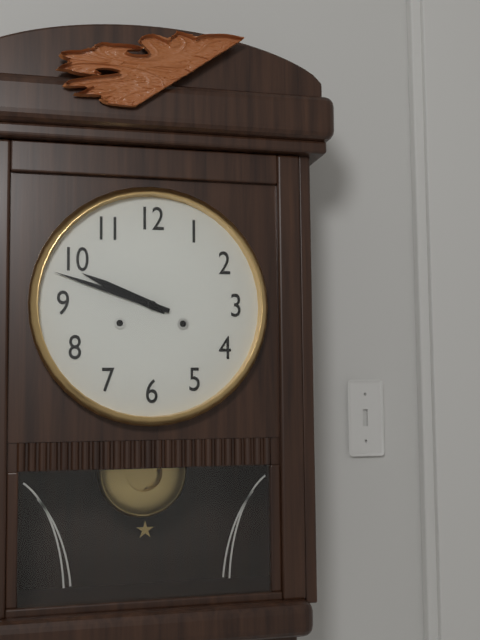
9:48
